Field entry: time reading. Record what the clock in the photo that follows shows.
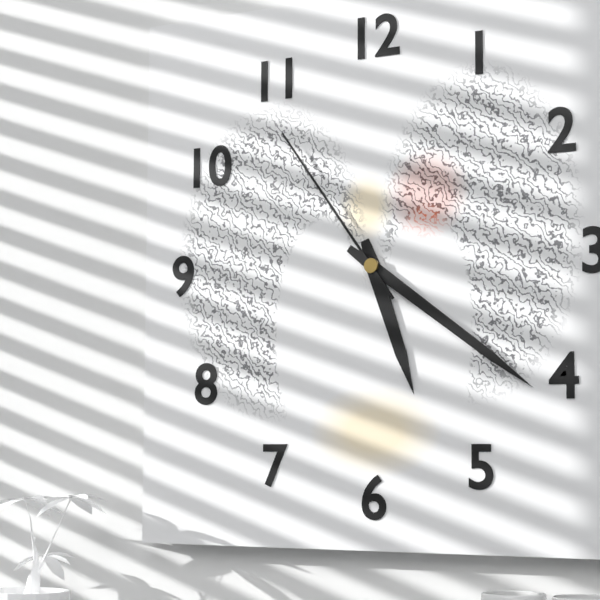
5:21:54
